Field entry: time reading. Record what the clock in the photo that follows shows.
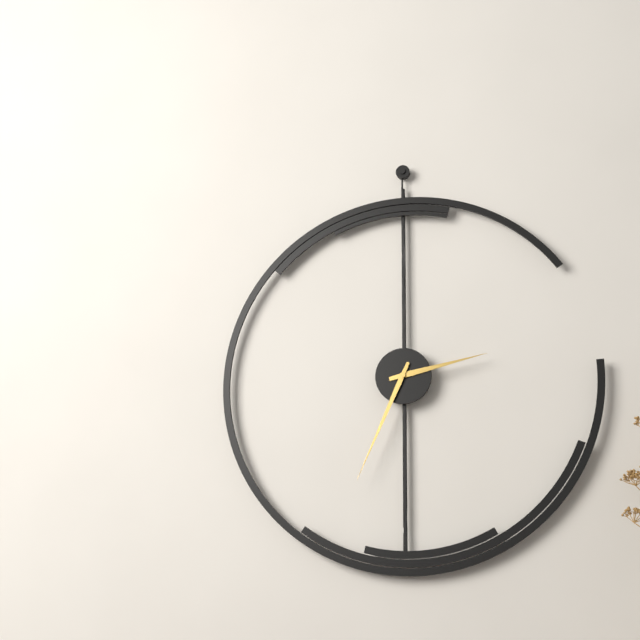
2:34
